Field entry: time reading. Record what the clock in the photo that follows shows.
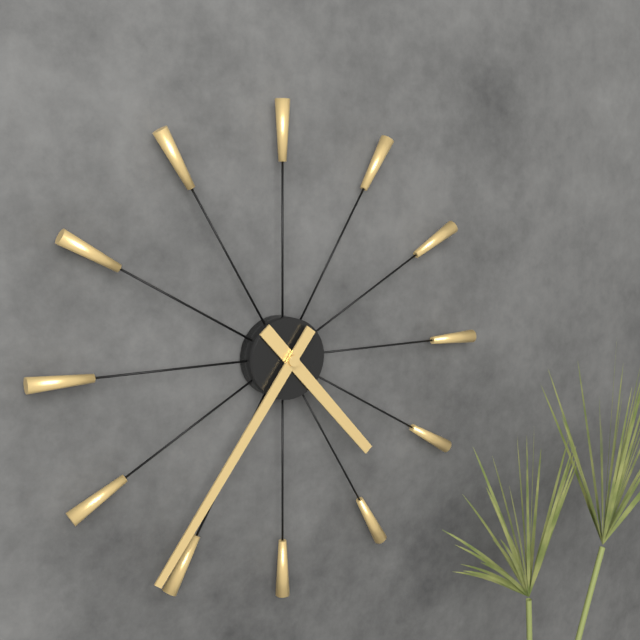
4:36
